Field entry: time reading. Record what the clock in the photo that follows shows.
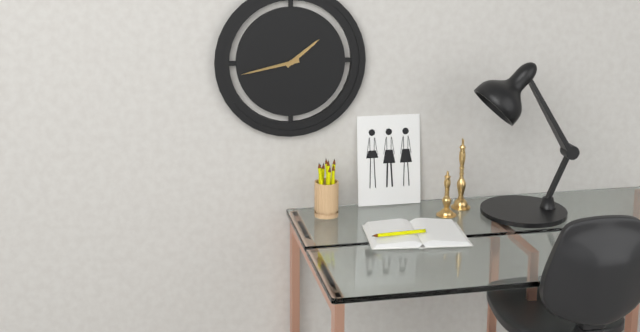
1:43
